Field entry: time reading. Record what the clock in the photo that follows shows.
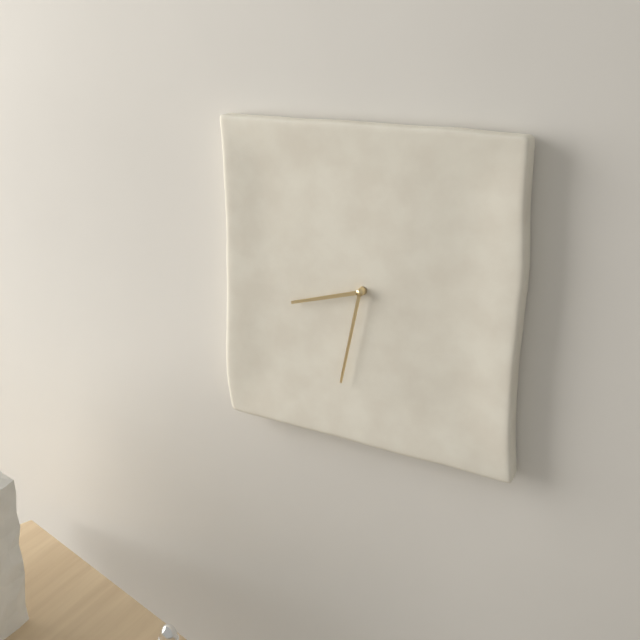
8:32
